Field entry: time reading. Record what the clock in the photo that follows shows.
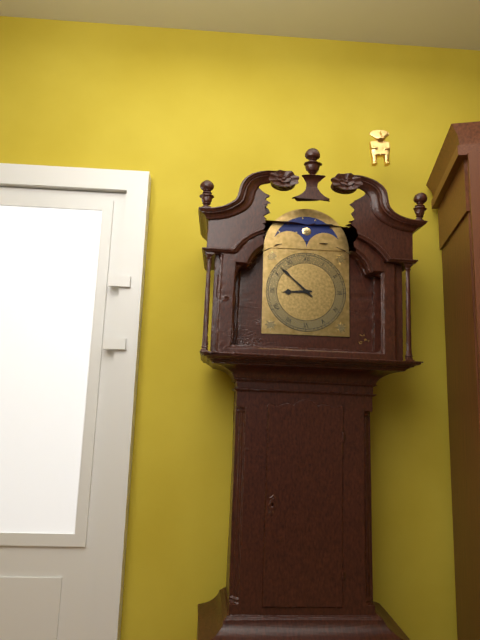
8:52
